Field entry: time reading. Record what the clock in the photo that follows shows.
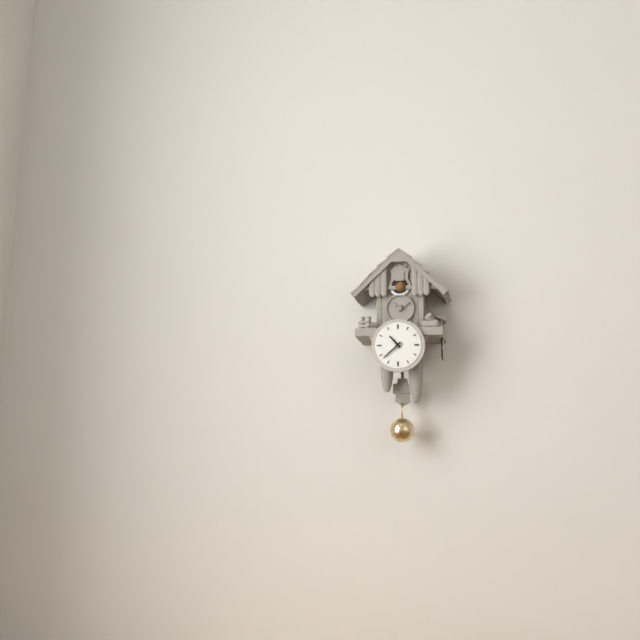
10:38
